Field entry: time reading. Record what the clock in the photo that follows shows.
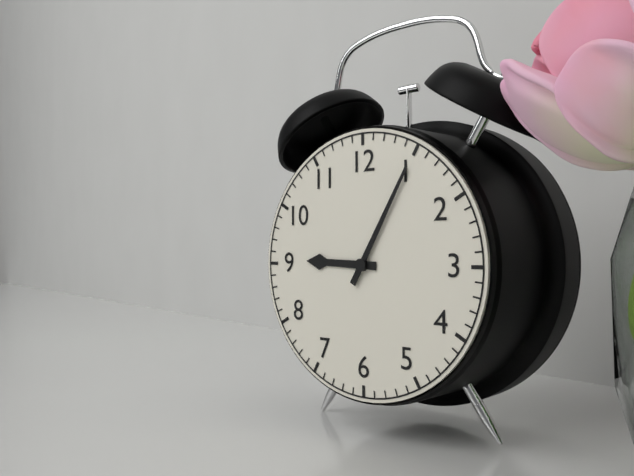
9:05
